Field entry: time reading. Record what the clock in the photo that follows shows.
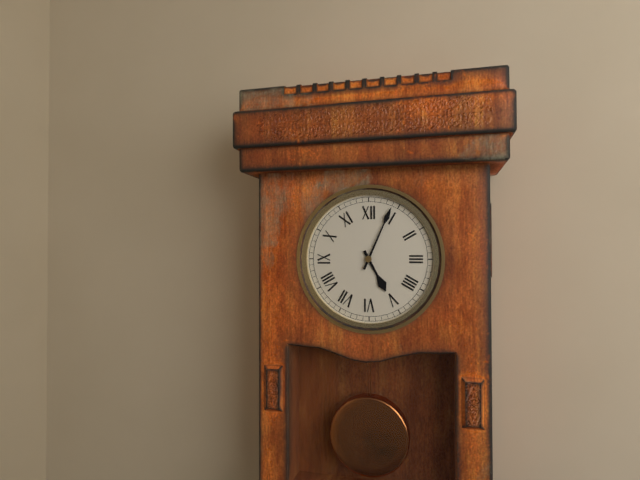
5:04
